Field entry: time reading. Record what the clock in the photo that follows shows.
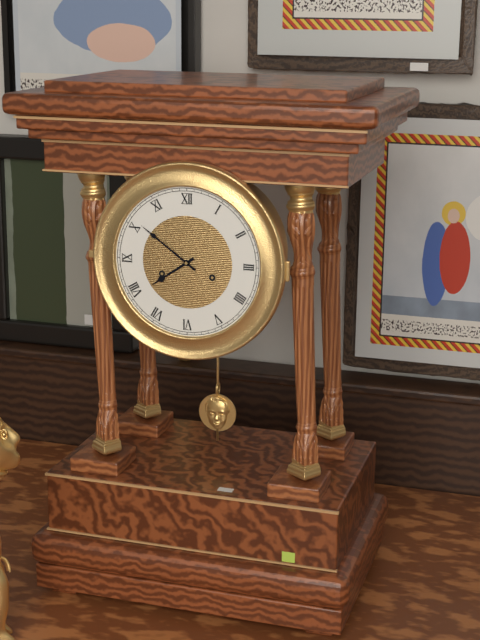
7:51
